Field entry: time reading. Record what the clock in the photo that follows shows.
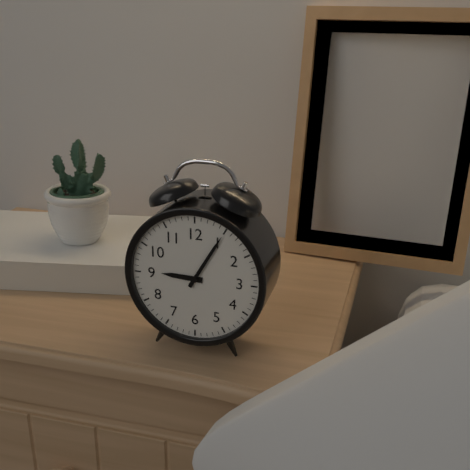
9:05
